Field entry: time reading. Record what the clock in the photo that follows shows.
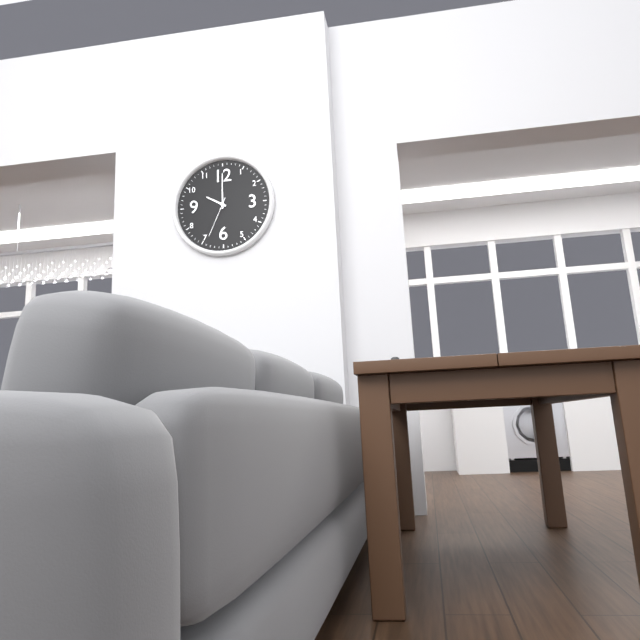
10:00
